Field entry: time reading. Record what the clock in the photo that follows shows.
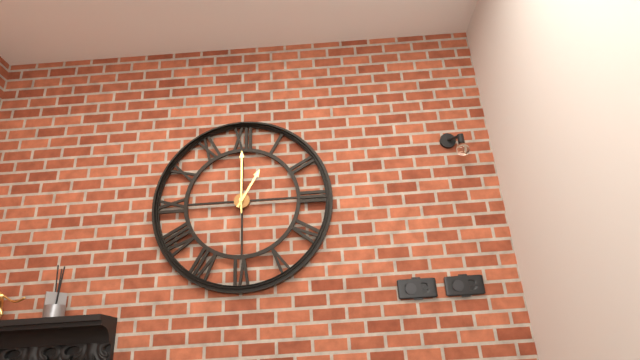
1:00
